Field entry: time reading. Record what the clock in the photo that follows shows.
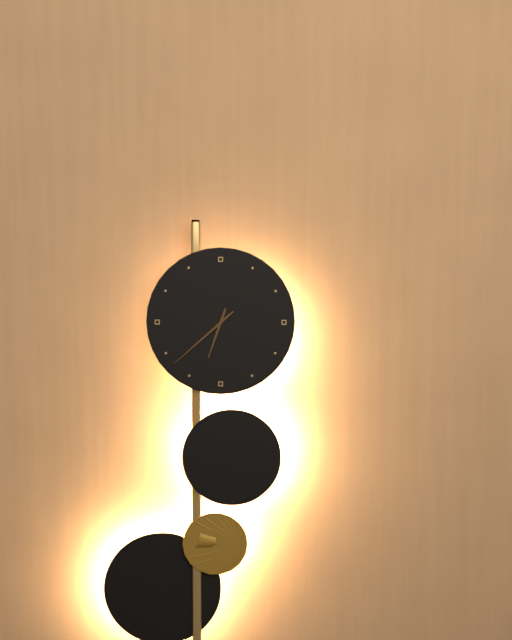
6:38
